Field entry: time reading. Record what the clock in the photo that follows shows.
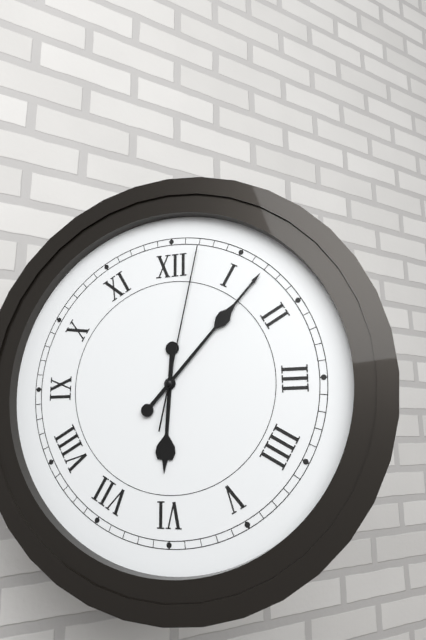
6:07:02
